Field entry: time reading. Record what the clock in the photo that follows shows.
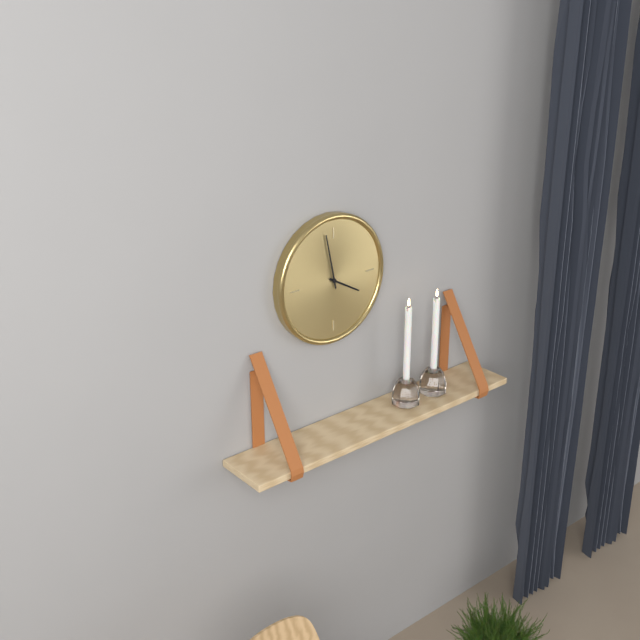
3:58
